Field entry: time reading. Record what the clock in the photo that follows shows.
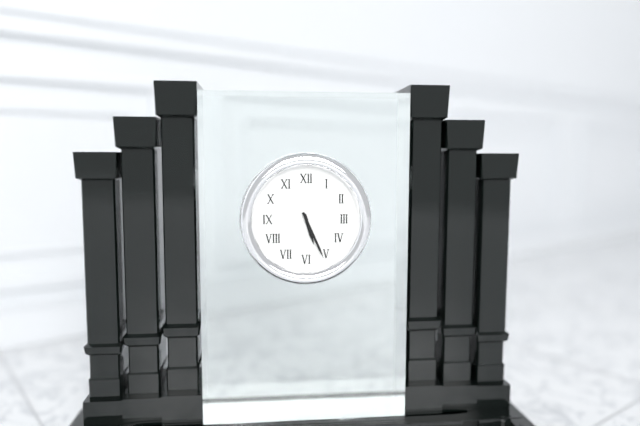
5:26
